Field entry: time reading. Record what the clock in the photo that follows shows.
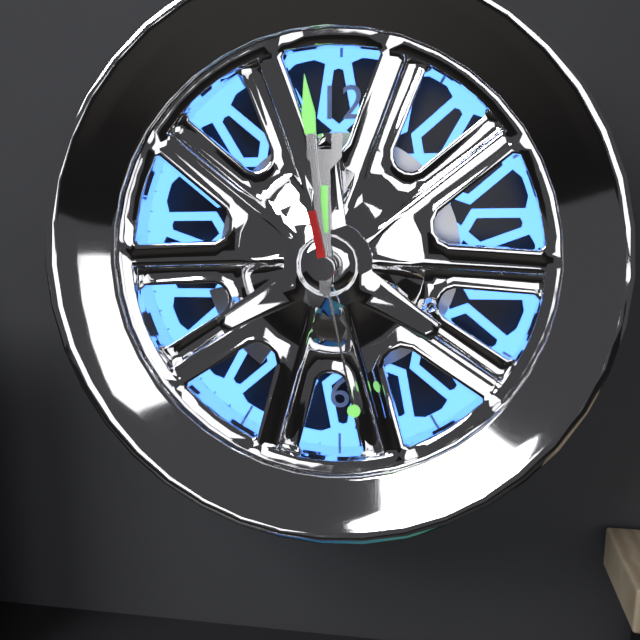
11:59:28
